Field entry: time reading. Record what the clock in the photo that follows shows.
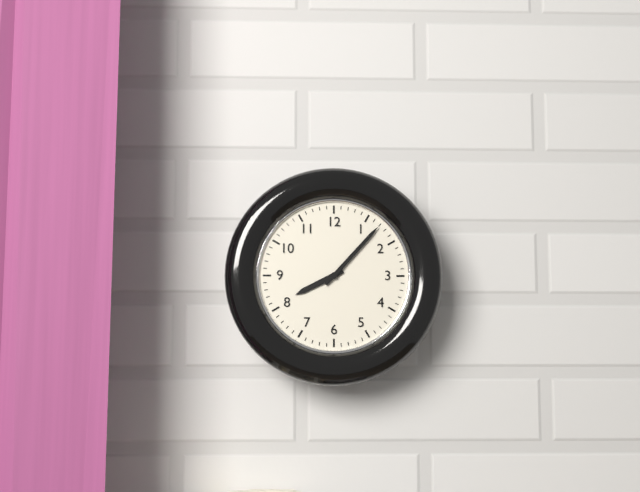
8:07
